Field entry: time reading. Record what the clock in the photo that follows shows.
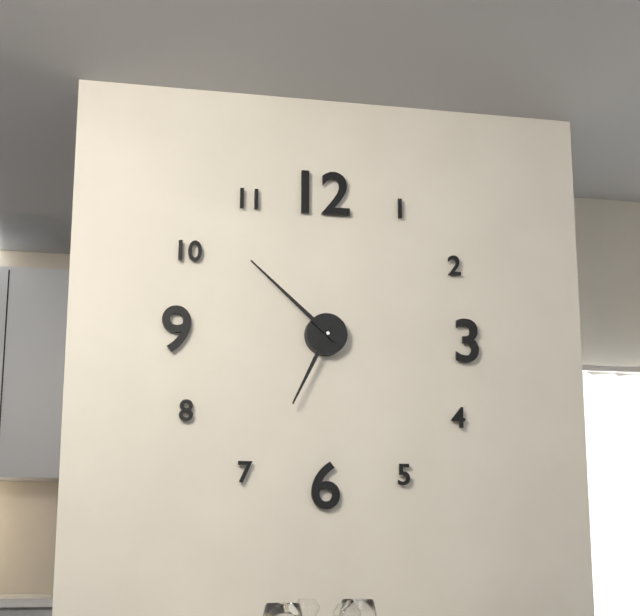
6:52
